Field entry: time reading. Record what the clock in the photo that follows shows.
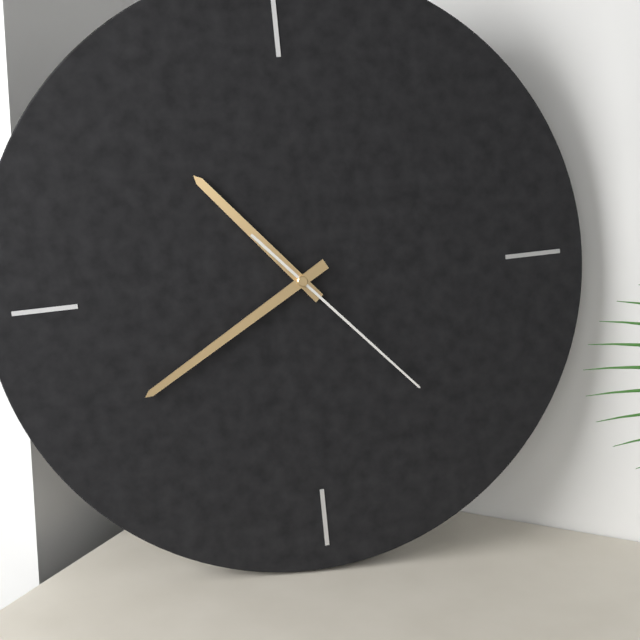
10:40:23
